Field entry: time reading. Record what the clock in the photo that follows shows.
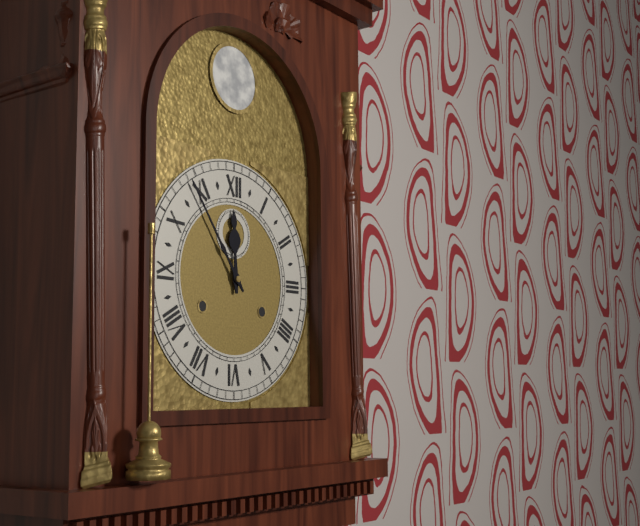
11:54
